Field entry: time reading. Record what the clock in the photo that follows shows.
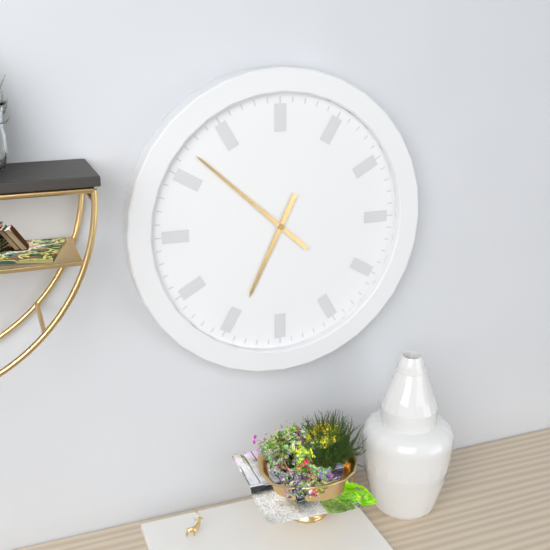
6:52
